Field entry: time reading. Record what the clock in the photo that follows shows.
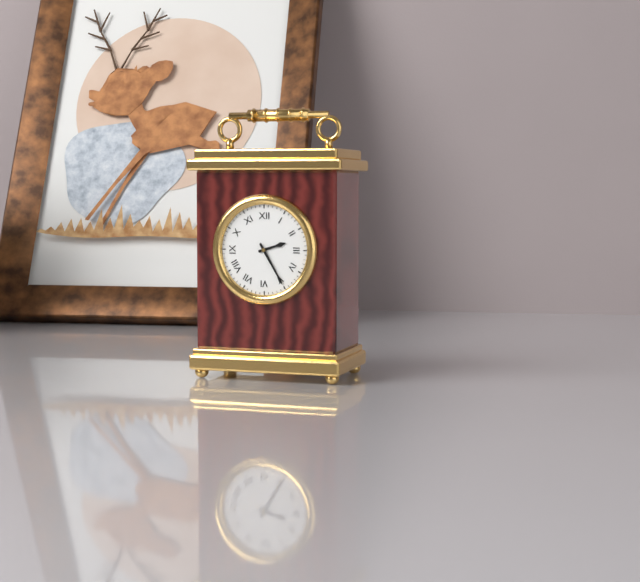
2:25
